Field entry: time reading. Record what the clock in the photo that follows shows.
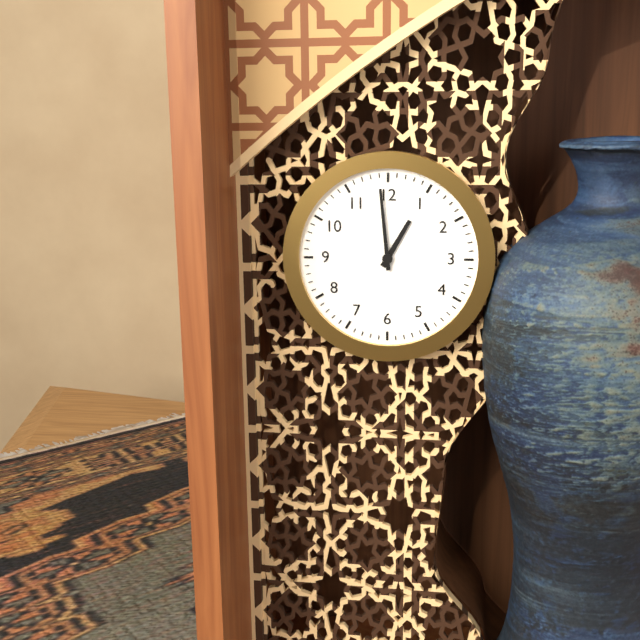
12:59
